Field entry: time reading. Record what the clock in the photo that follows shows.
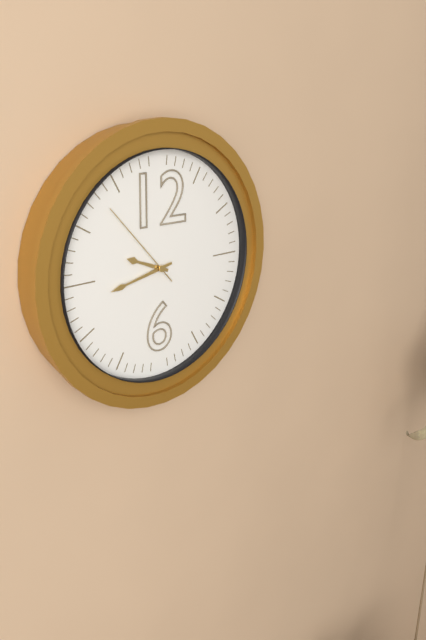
9:43:53
